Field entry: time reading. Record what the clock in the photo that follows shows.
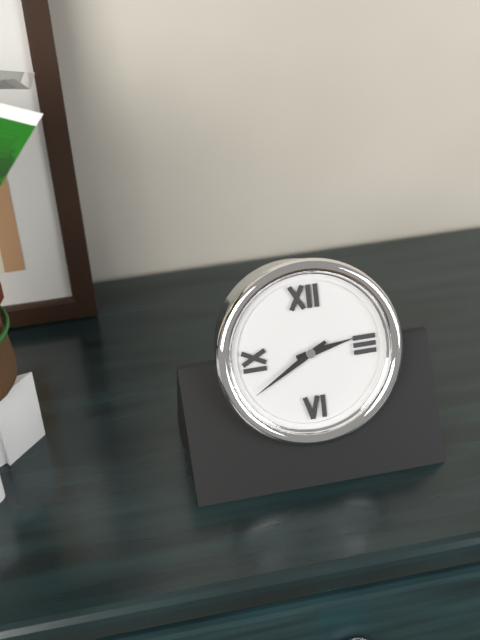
2:40
